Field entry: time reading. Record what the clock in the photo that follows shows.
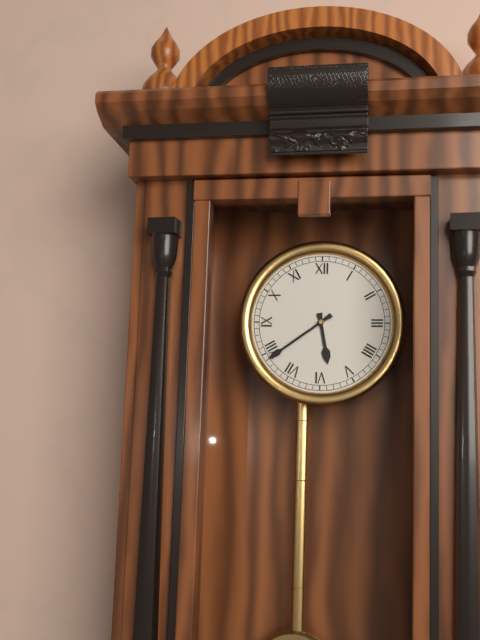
5:39
